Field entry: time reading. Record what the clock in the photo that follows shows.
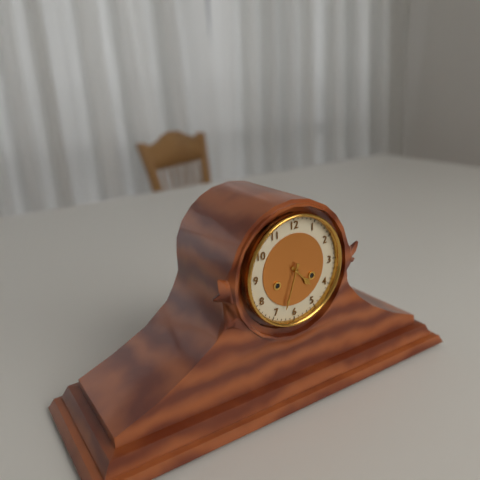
4:33
